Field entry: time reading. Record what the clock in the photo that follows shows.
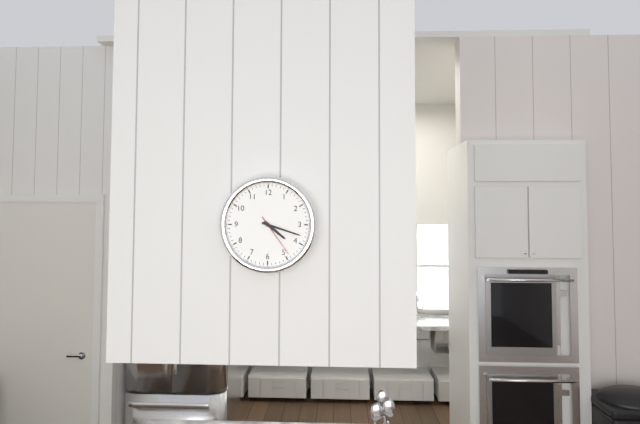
4:18
